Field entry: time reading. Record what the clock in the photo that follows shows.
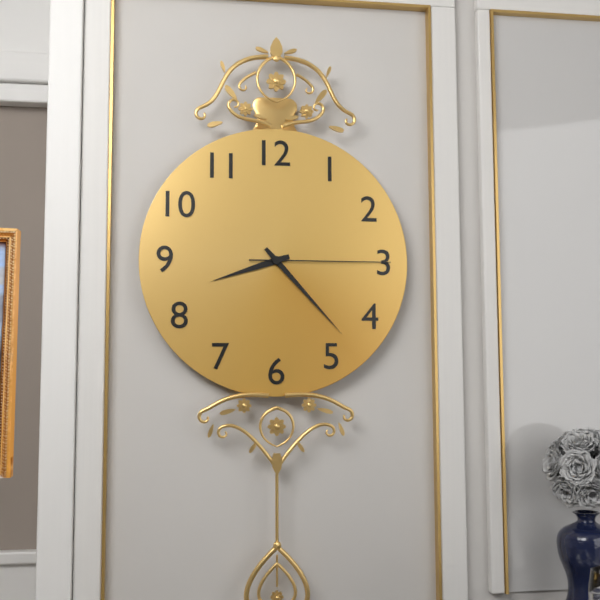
8:23:15
